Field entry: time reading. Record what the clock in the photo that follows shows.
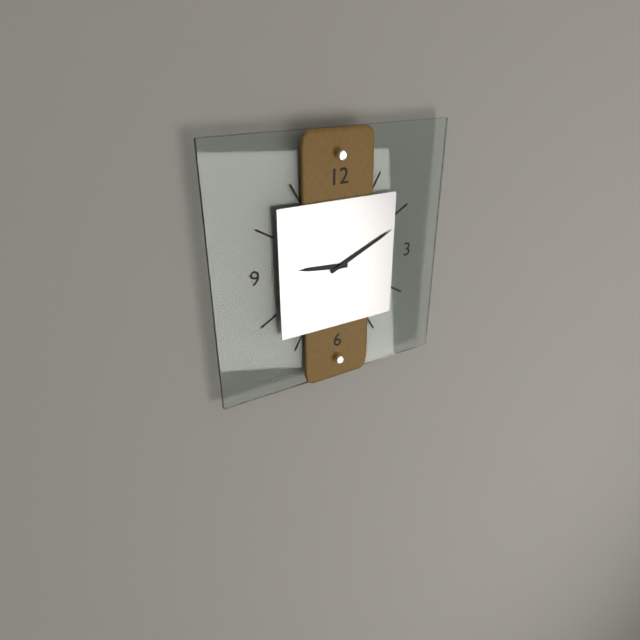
9:11
